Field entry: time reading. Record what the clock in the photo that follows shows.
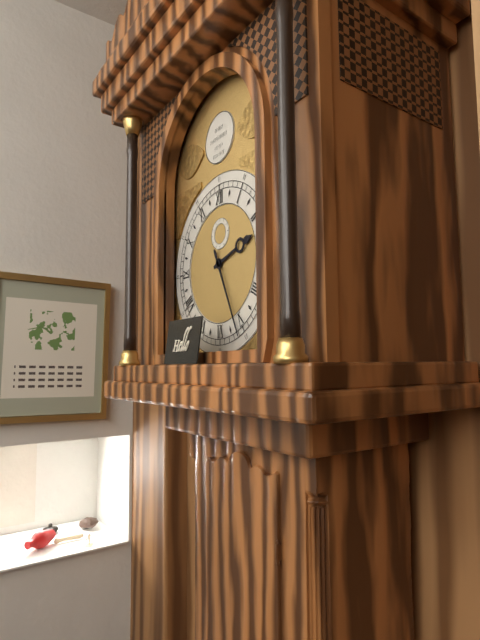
2:26
